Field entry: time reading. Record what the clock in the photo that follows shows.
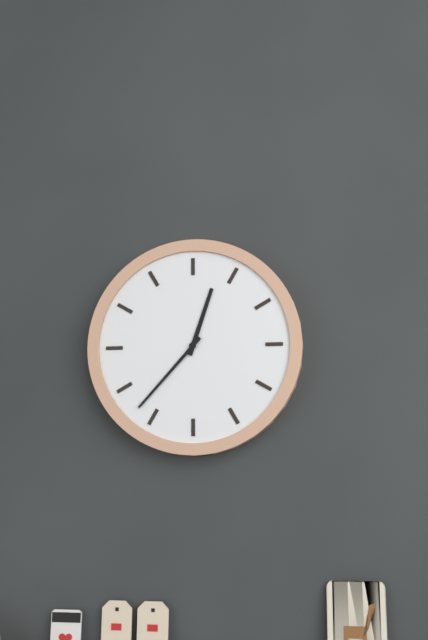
12:37
